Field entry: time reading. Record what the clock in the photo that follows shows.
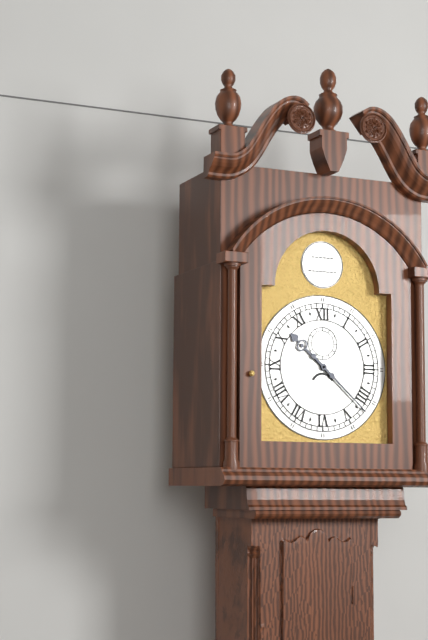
10:22
